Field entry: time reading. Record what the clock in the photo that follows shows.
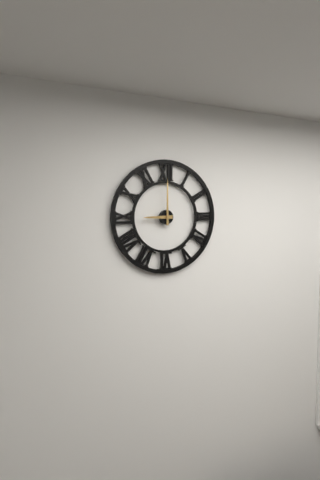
9:00
